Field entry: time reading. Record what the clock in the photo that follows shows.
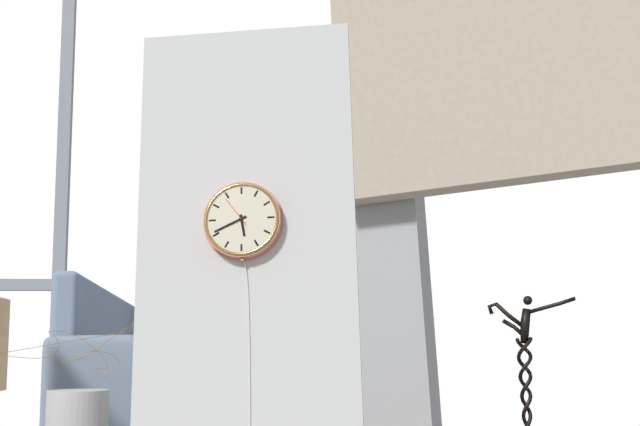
5:41
